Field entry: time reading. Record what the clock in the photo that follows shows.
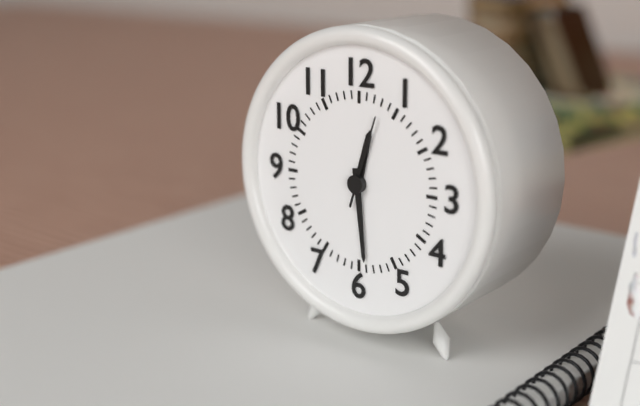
12:29:03
